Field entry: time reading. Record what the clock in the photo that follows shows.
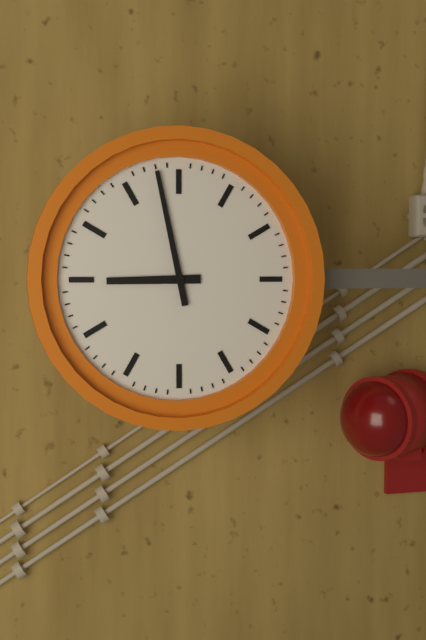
8:58
